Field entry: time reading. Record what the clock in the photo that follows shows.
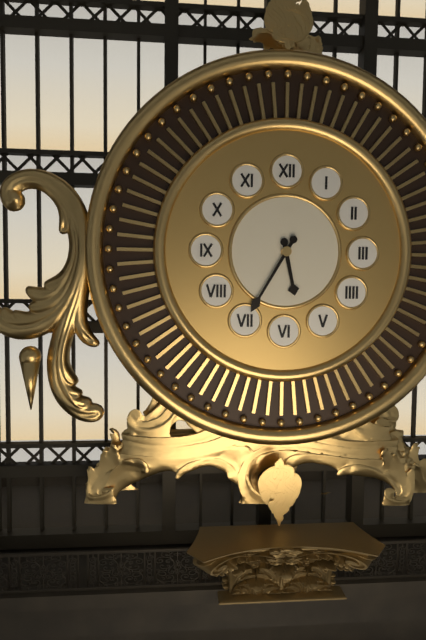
5:35
